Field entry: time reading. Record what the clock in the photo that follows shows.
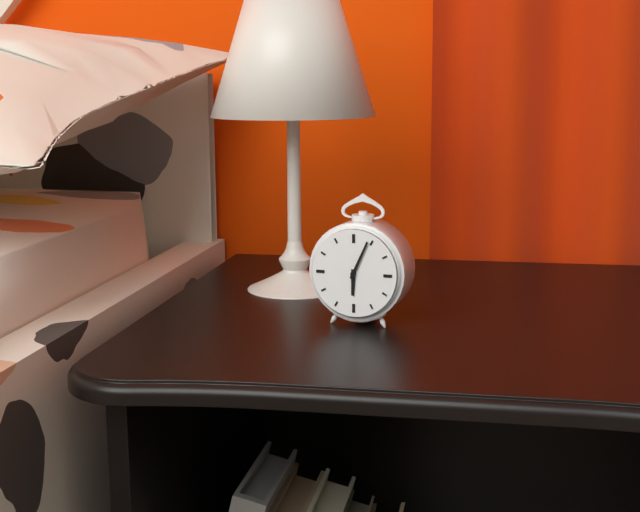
6:04
